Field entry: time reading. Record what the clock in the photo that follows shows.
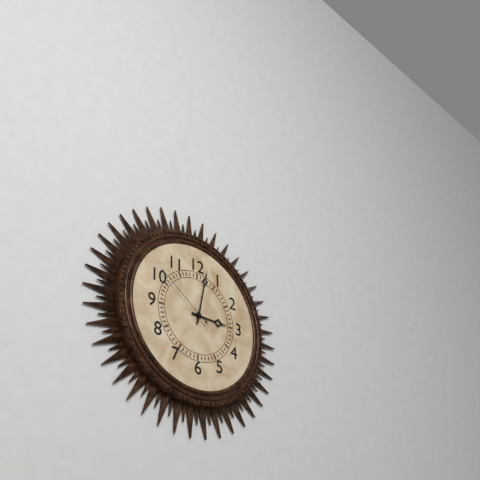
3:02:51
